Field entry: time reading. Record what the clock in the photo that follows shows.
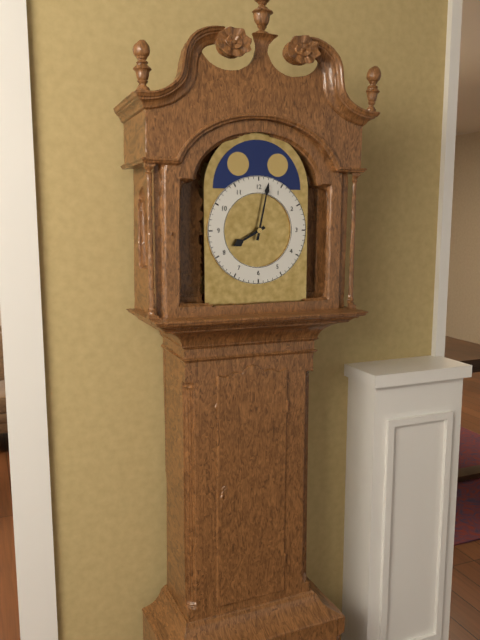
8:02
